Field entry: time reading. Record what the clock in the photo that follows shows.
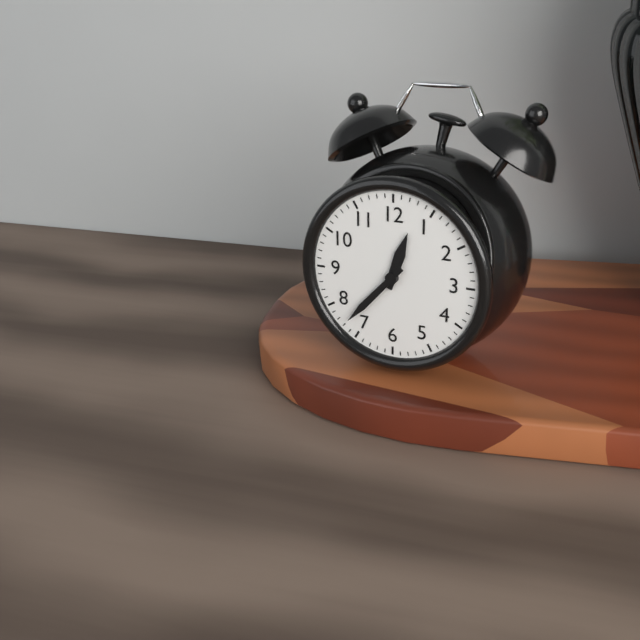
12:37
